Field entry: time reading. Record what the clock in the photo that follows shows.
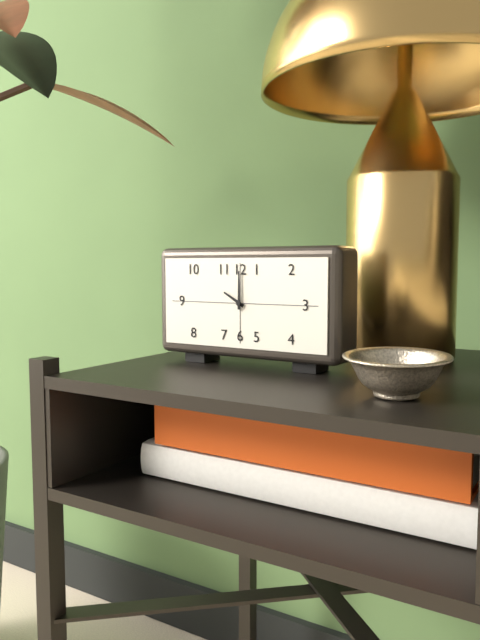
10:00
